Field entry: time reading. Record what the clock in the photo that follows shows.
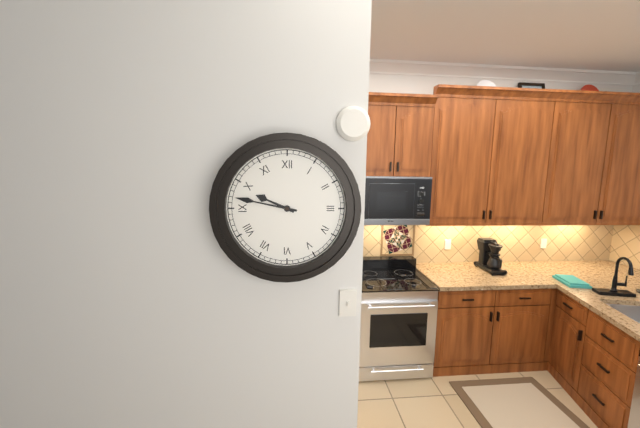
9:47
